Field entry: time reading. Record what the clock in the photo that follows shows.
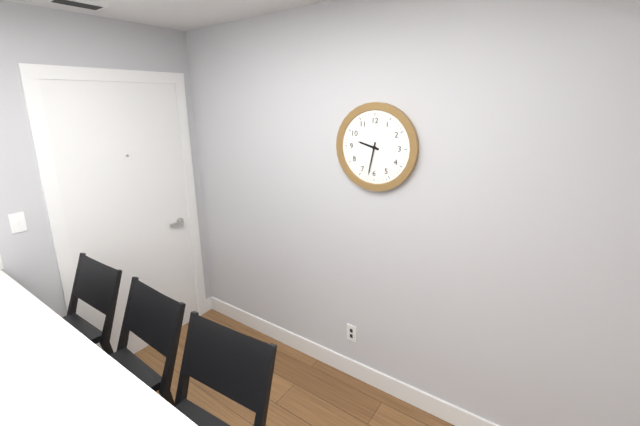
9:32
